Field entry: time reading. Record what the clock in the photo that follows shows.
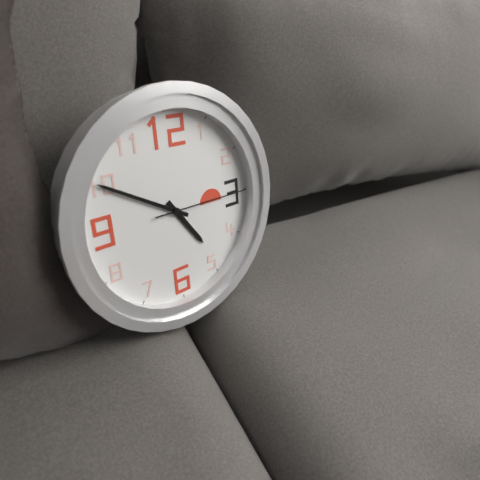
4:50:15
